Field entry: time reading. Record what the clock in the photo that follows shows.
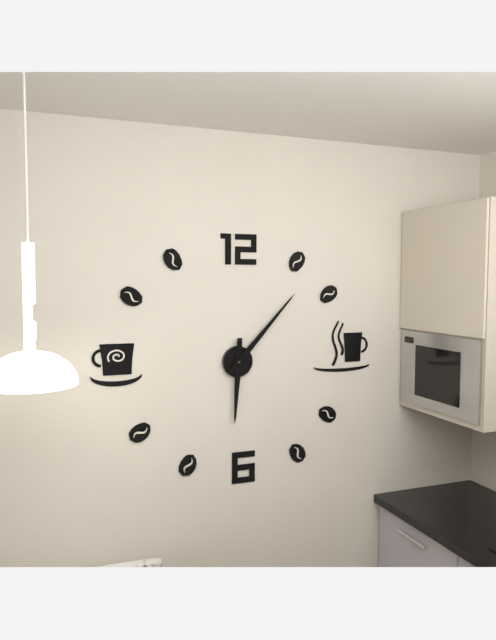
6:07
